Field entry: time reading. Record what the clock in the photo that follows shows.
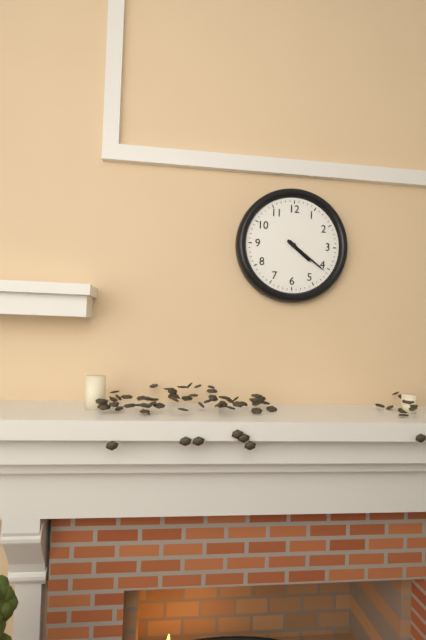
4:21
